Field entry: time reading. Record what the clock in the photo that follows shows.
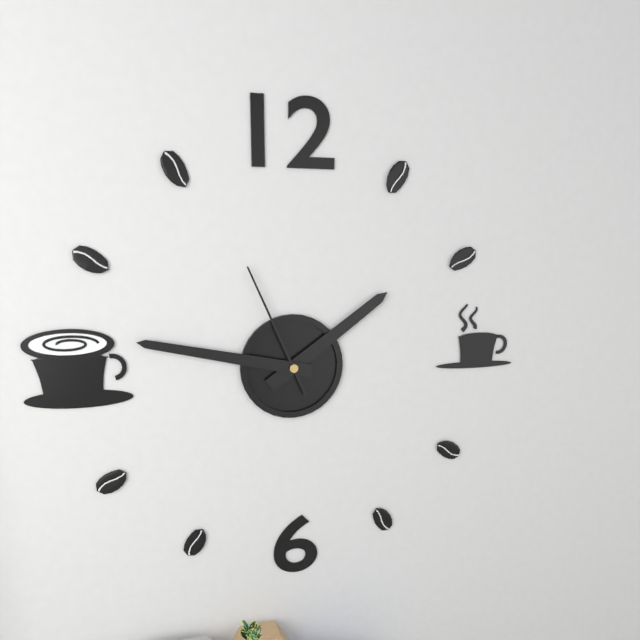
1:47:56
